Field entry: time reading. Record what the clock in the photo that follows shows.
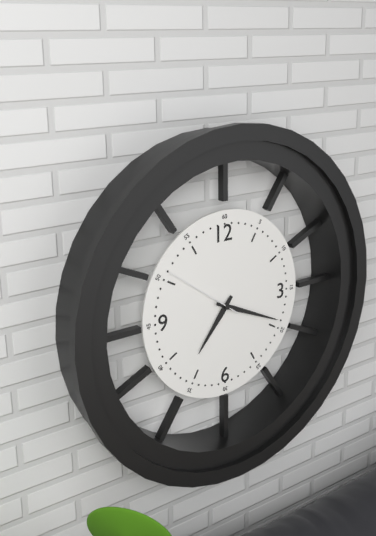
7:19:51
